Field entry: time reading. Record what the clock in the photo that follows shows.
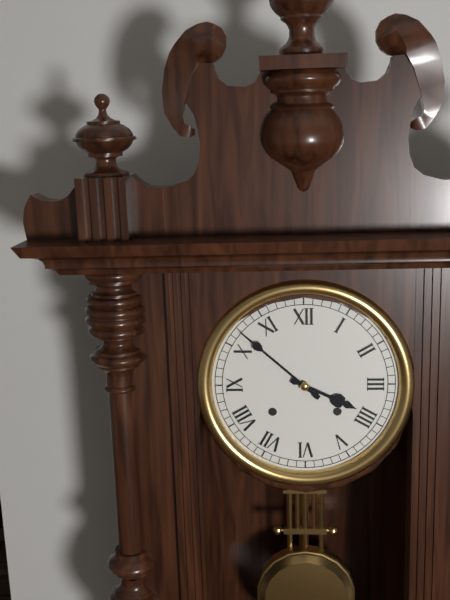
3:52
